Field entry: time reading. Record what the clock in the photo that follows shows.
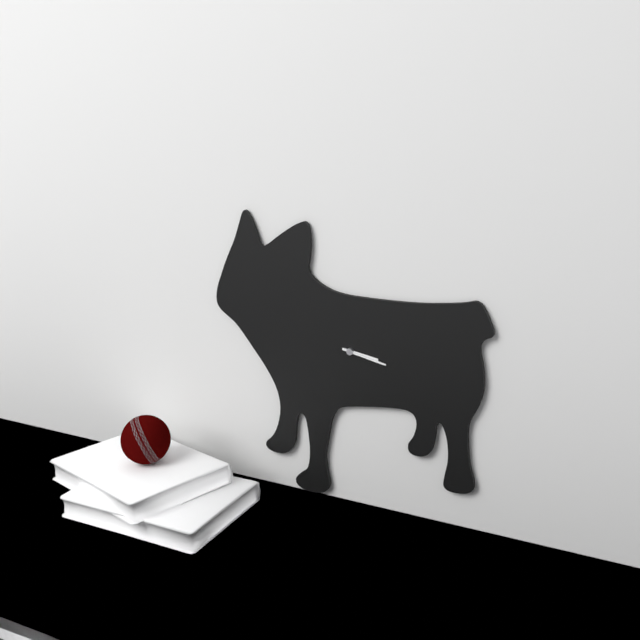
3:17
